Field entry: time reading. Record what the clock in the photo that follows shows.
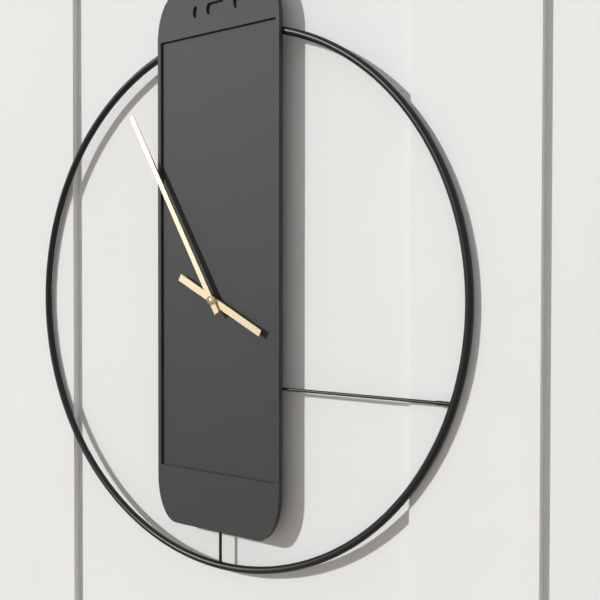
3:55
